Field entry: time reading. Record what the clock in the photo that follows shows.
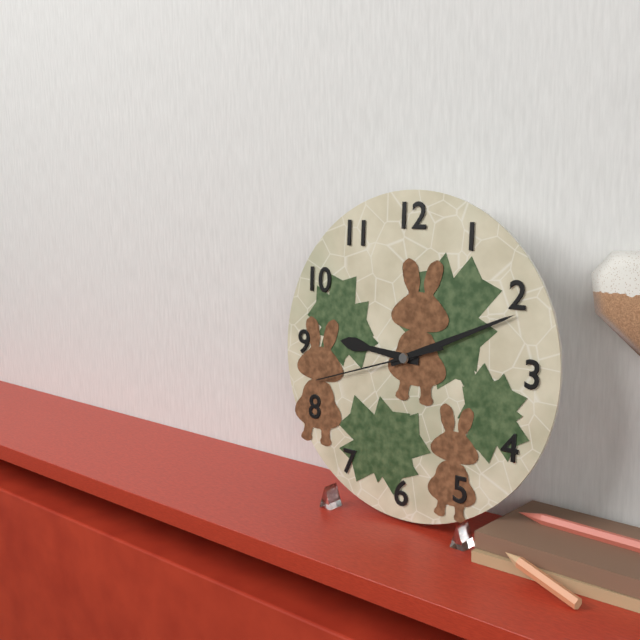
9:11:42
